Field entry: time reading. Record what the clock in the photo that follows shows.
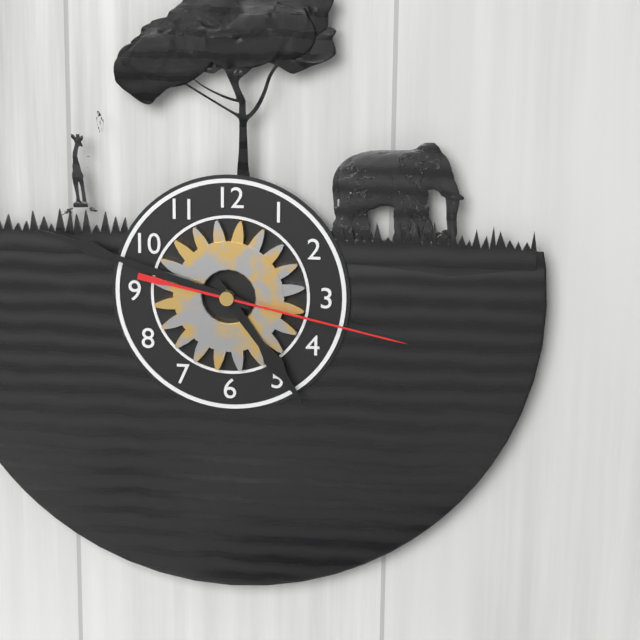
4:48:17
